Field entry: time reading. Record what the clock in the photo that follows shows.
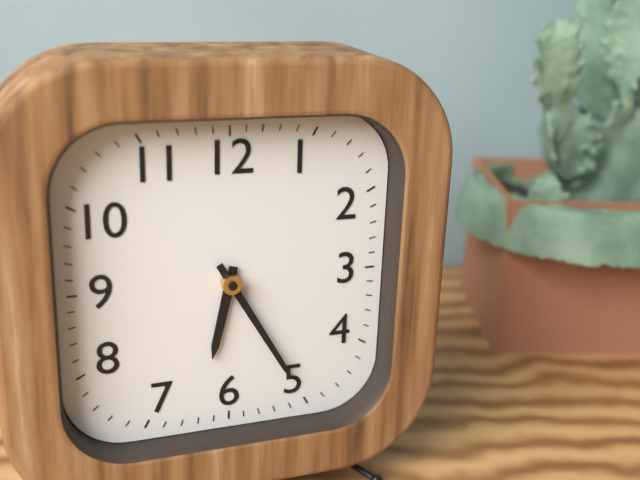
6:25
